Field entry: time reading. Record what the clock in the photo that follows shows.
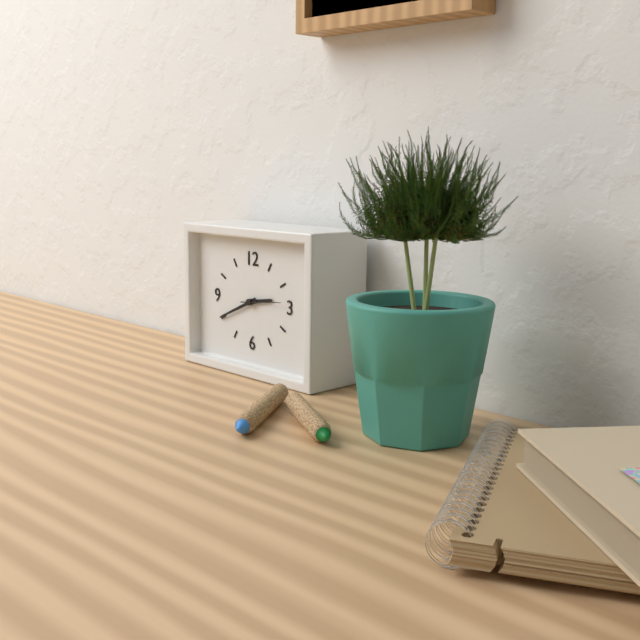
2:41
